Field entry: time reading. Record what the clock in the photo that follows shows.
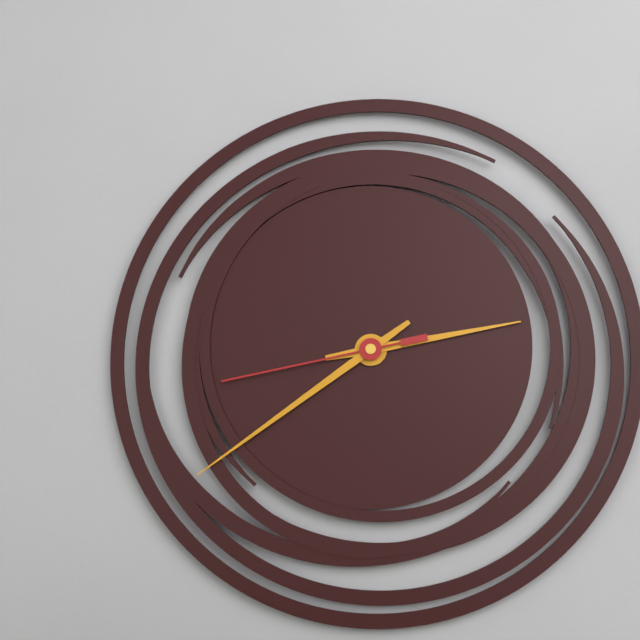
2:39:43
